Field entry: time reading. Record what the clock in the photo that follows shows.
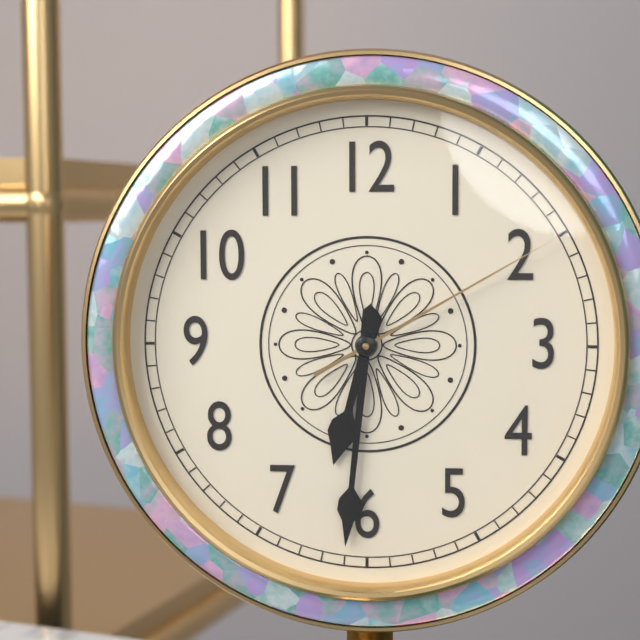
6:31:10
